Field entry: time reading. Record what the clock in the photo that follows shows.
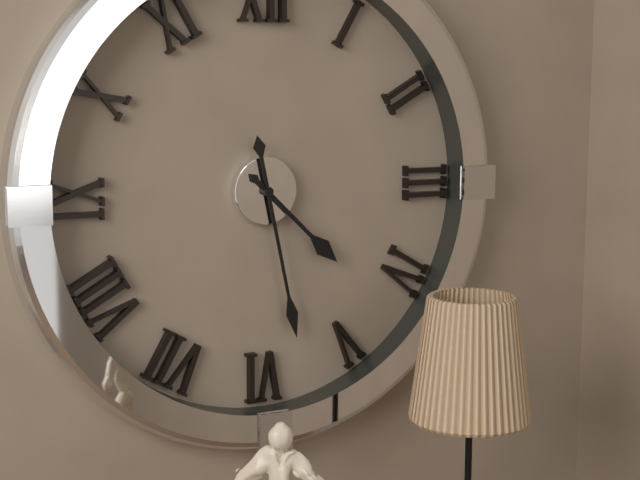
4:28
